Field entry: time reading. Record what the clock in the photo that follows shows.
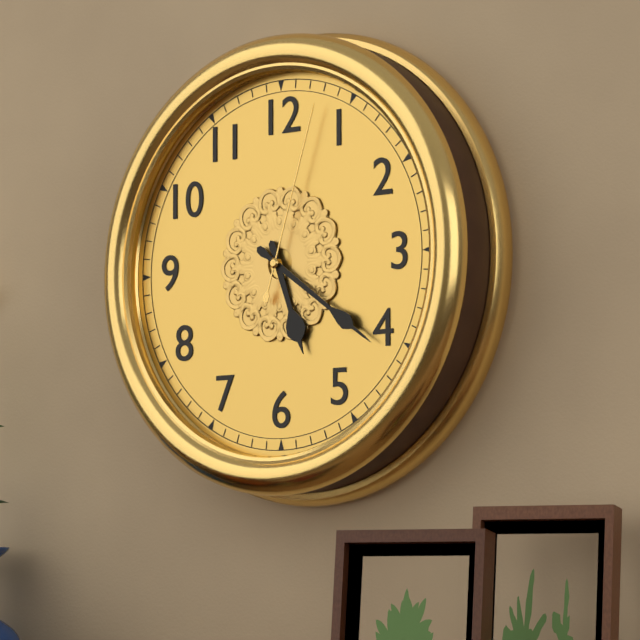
5:21:03
